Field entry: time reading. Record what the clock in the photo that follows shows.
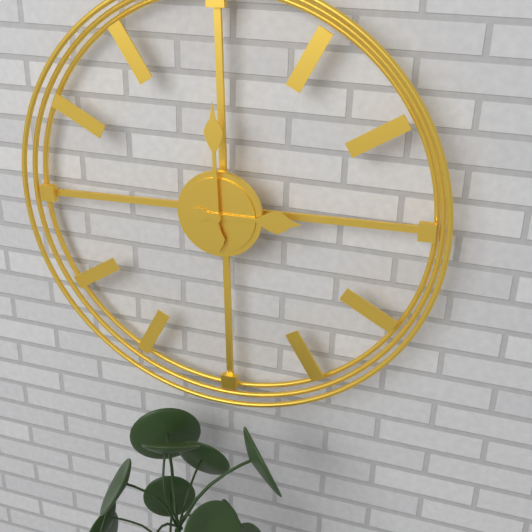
3:00
